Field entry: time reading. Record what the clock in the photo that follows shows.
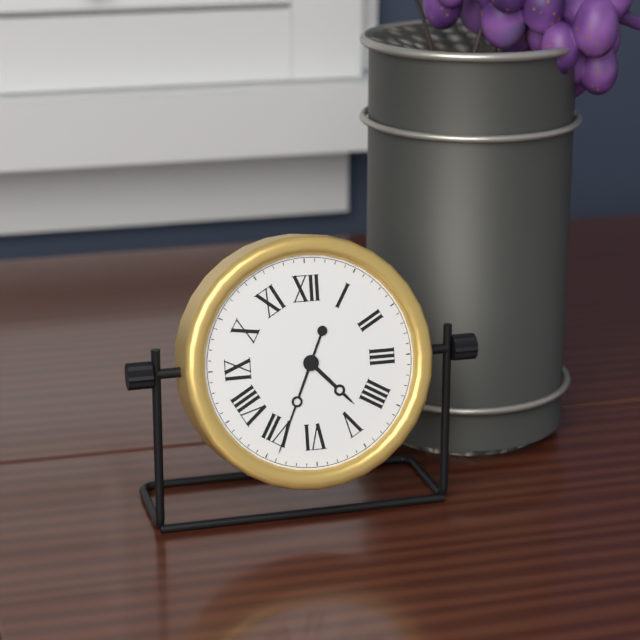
4:34
